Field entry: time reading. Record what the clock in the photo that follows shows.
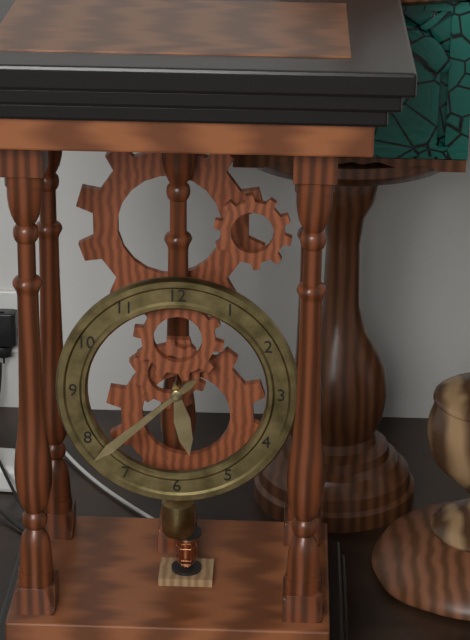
5:38
